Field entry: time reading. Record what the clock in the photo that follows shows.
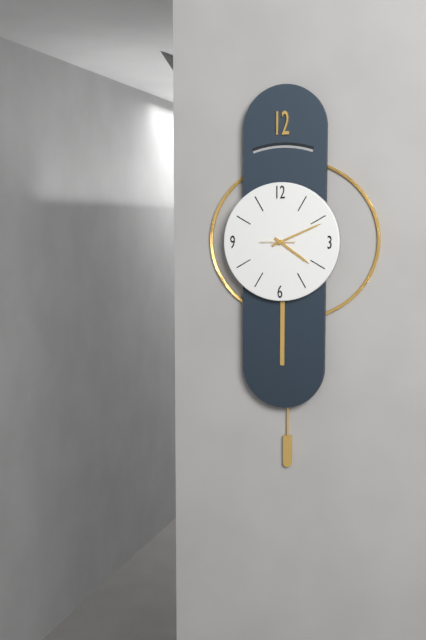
4:11
